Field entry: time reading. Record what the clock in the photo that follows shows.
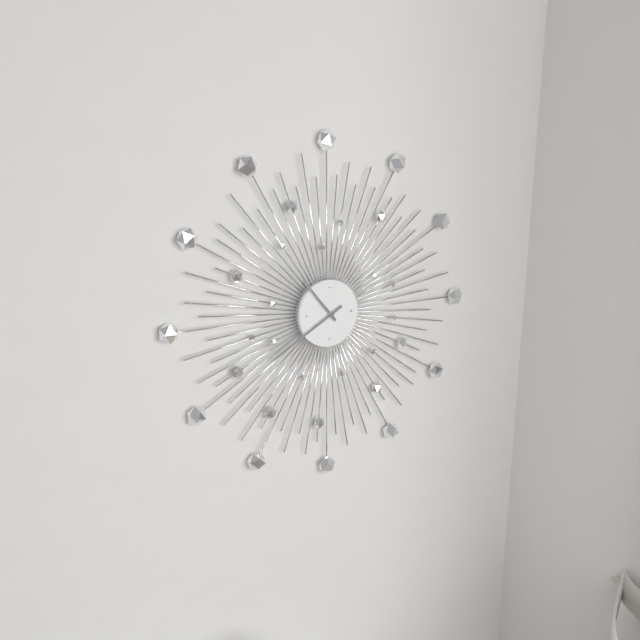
10:40
